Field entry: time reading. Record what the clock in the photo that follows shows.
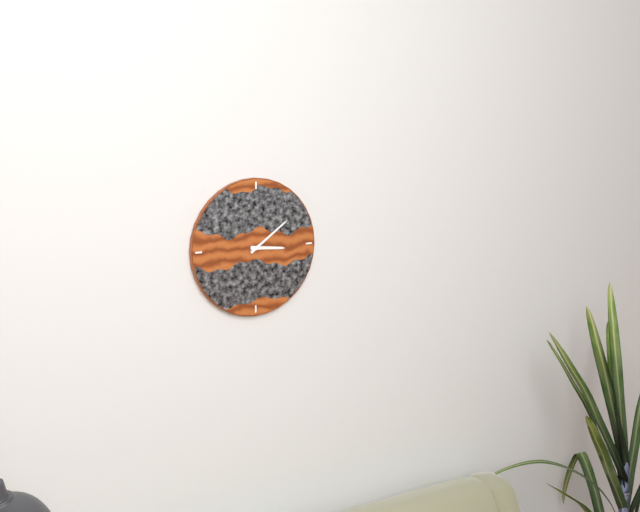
3:09
